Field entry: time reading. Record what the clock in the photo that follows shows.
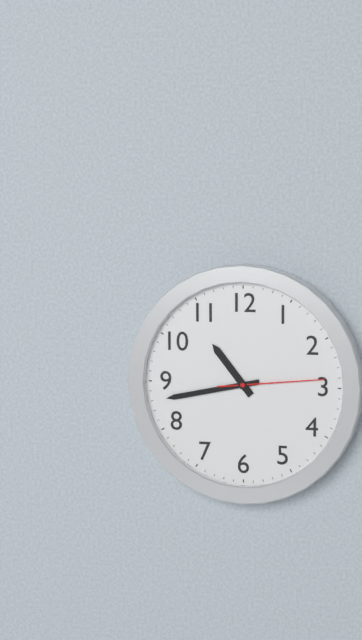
10:43:14
